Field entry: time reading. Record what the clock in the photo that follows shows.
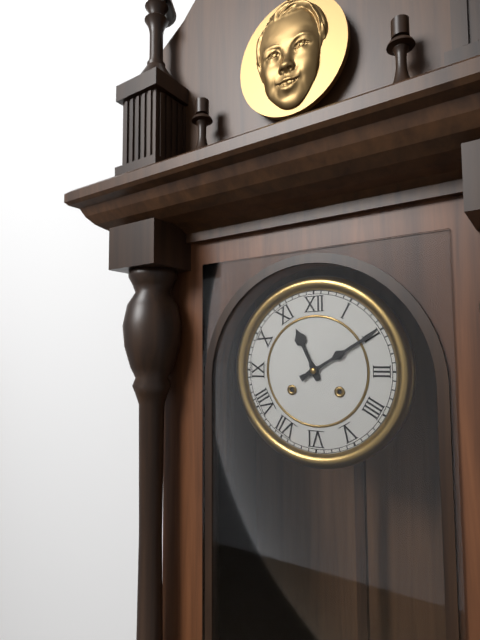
11:10
